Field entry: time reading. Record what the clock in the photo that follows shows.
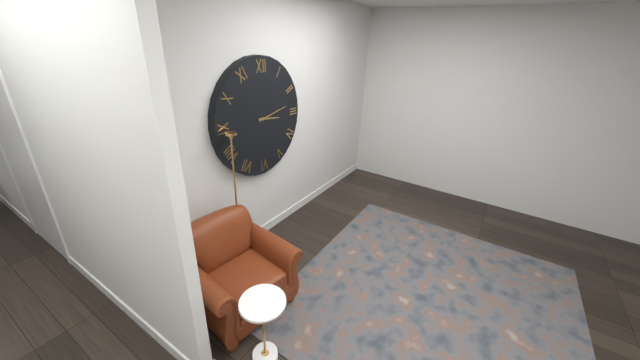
3:13
